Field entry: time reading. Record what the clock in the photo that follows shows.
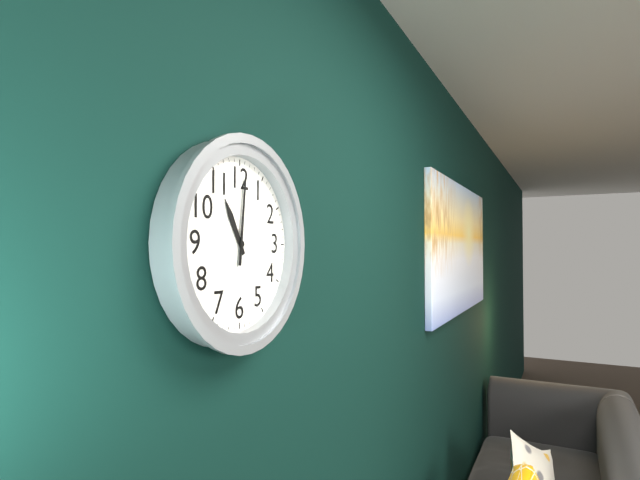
11:01
